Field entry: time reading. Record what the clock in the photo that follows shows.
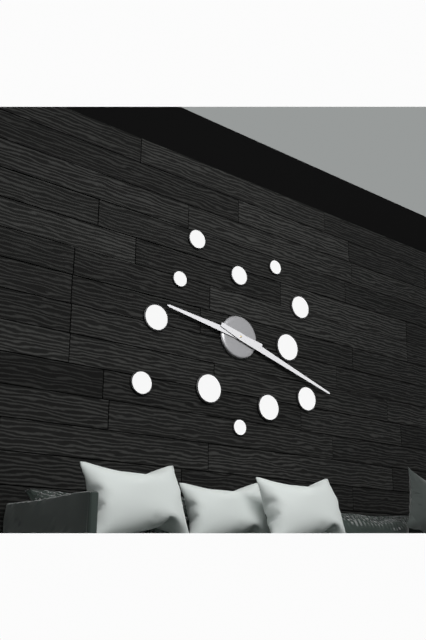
9:18
